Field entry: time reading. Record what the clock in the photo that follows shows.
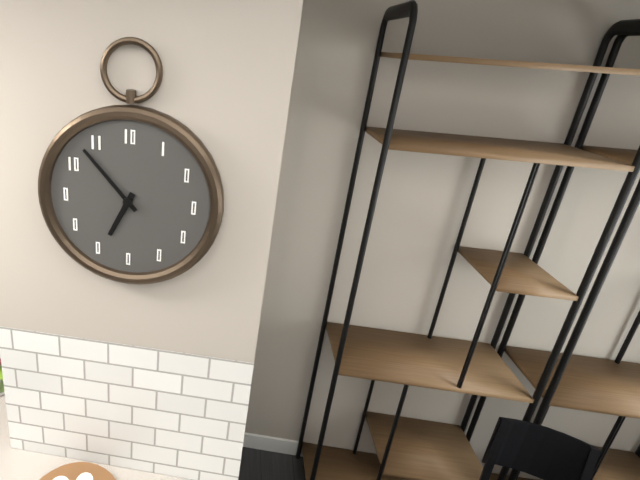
6:53
